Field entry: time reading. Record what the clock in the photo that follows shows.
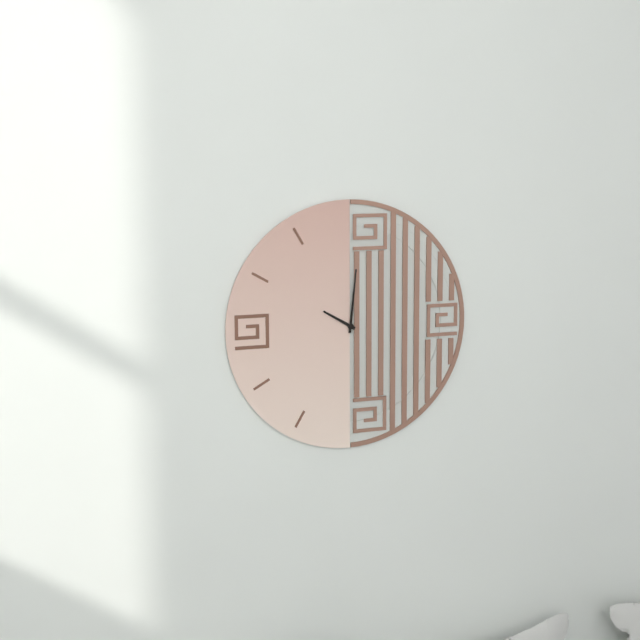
10:01
